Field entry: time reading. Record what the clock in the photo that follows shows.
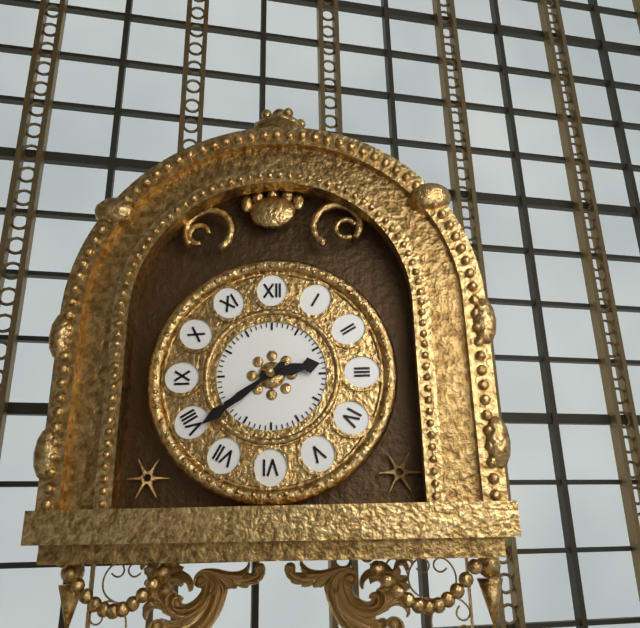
2:39
